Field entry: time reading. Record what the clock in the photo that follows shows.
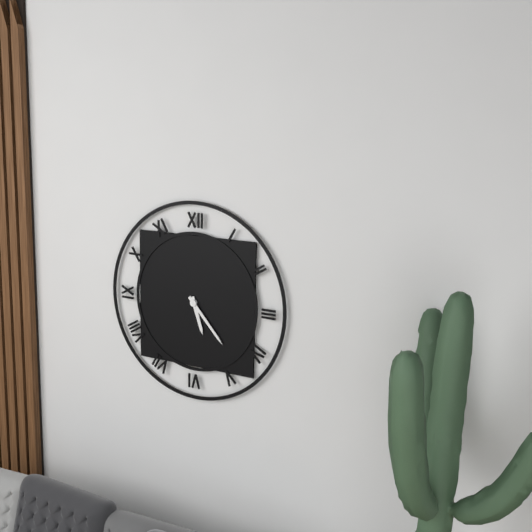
5:23
